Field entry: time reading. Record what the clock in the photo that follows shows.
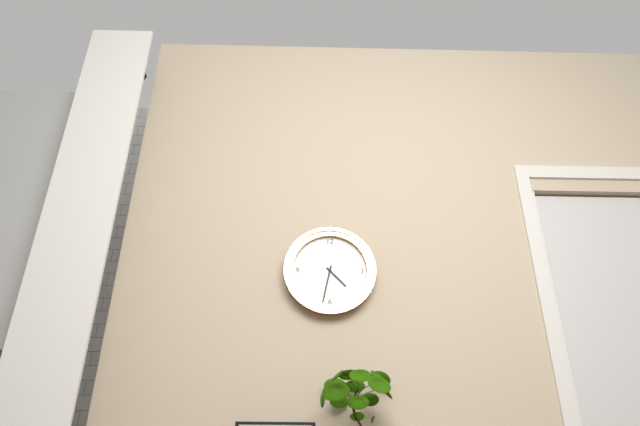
4:32
